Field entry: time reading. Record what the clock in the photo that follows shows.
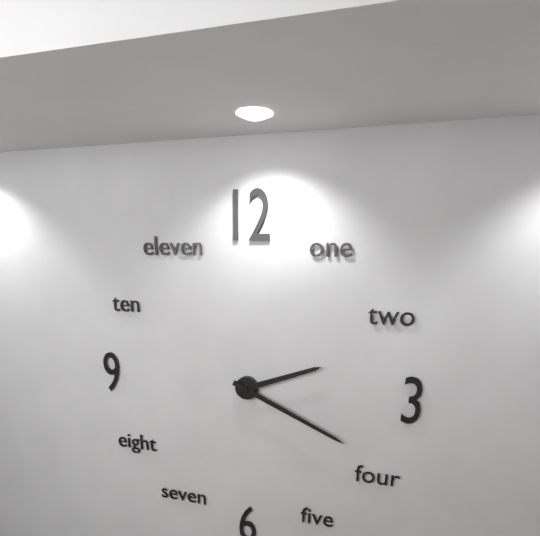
2:19
